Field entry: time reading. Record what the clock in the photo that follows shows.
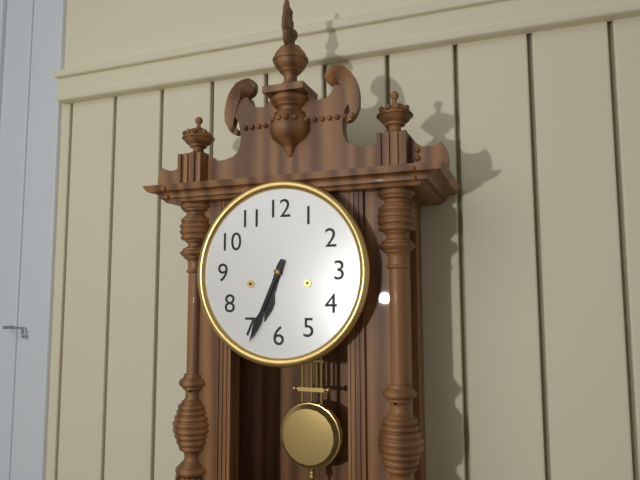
6:34
